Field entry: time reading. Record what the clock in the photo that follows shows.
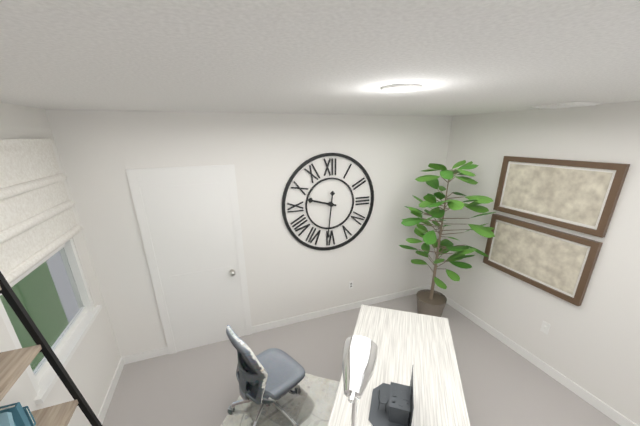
9:31
